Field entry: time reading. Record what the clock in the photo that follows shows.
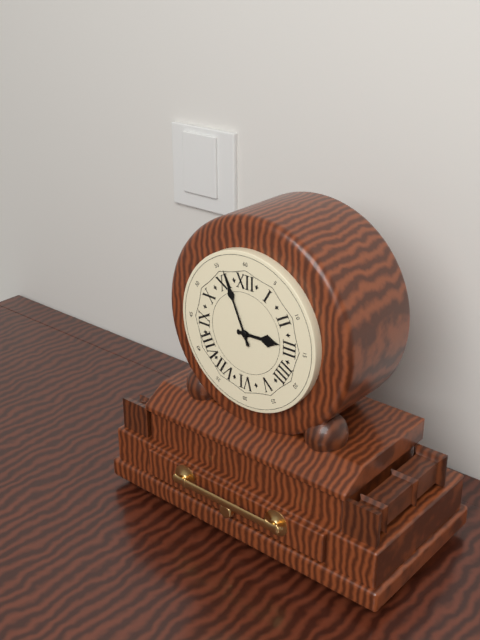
2:56
